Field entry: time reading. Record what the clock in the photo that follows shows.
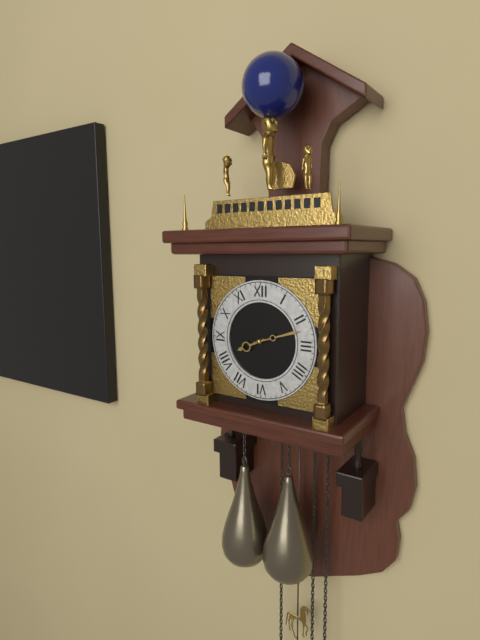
8:12
